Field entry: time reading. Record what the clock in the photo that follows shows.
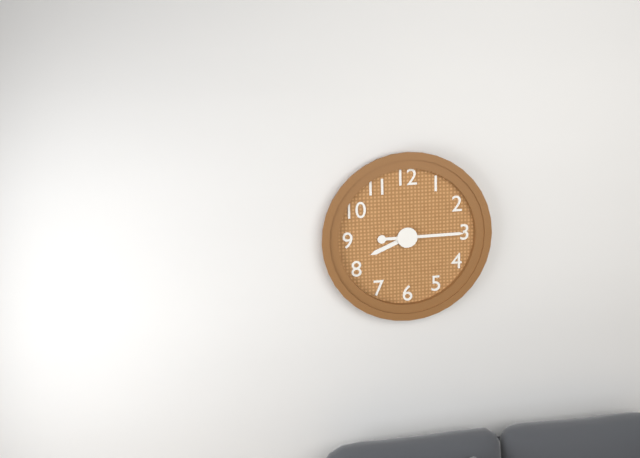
8:15
